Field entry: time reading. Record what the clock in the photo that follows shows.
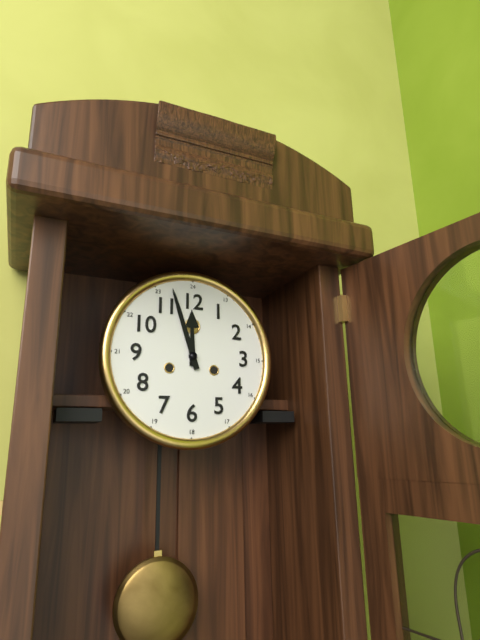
11:57
